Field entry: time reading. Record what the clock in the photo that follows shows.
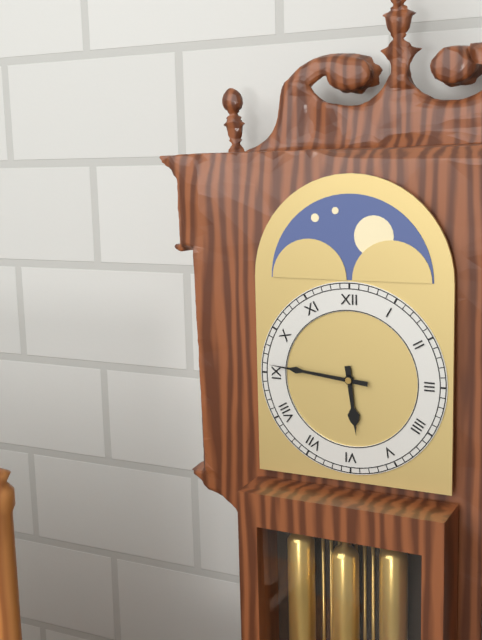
5:46
